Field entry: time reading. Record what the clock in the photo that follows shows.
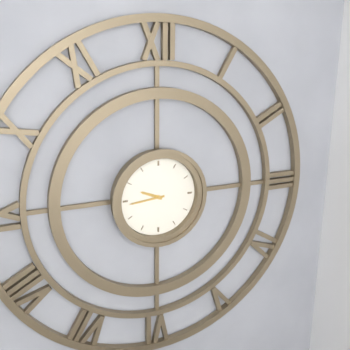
9:44
